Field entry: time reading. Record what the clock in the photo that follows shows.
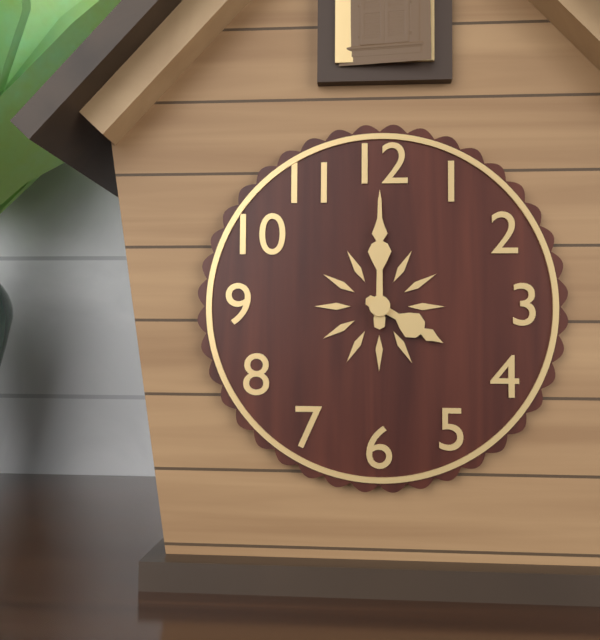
4:00
